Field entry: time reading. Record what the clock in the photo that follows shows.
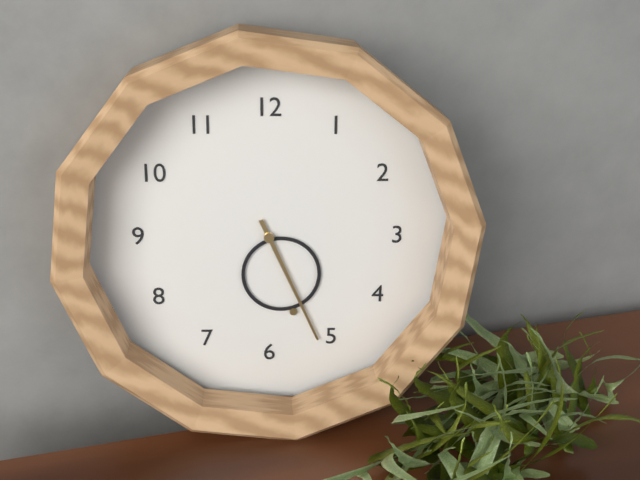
5:26
